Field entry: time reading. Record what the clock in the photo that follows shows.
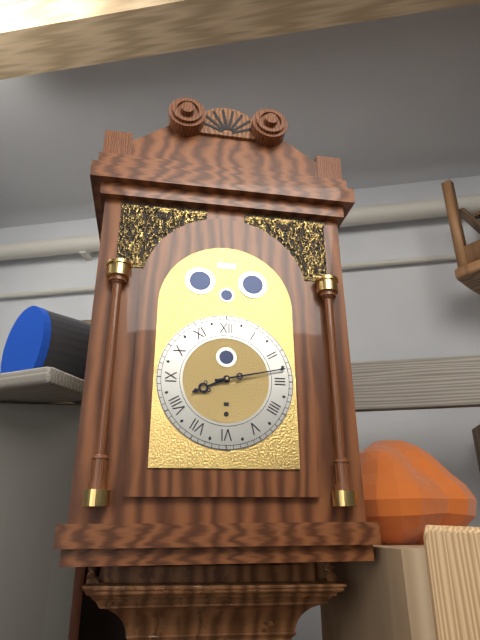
8:13
